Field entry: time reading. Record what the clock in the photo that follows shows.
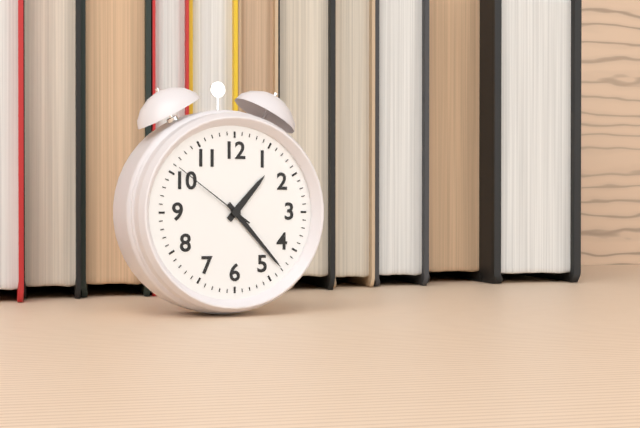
1:23:51
